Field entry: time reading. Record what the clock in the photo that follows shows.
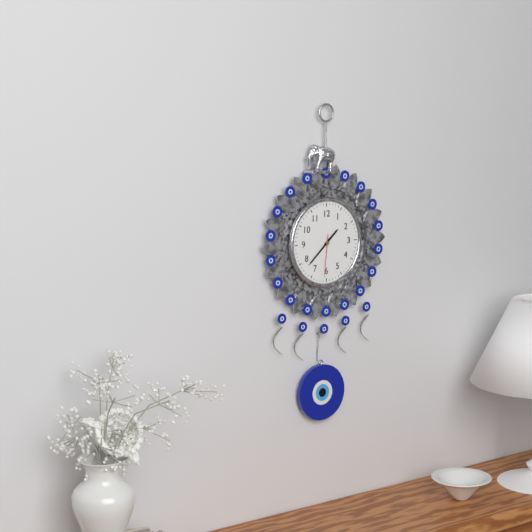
1:38
